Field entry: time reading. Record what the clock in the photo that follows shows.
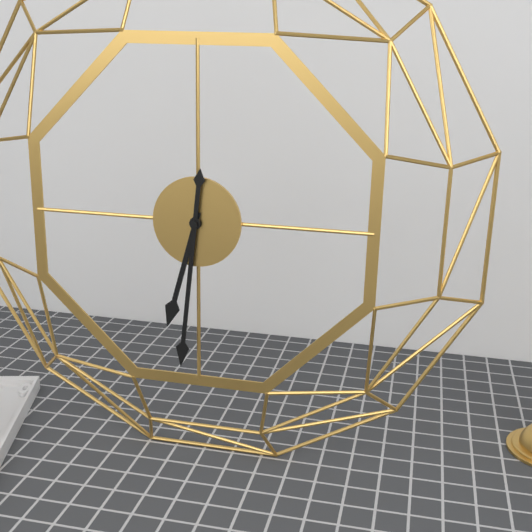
6:31
